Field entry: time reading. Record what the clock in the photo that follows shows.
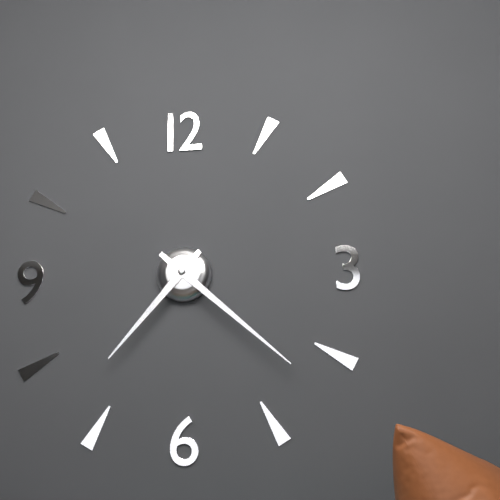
7:22
